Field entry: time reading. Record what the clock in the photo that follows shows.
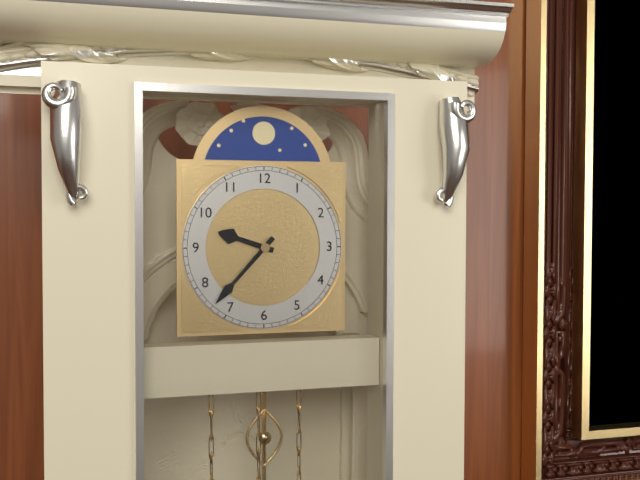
9:37
